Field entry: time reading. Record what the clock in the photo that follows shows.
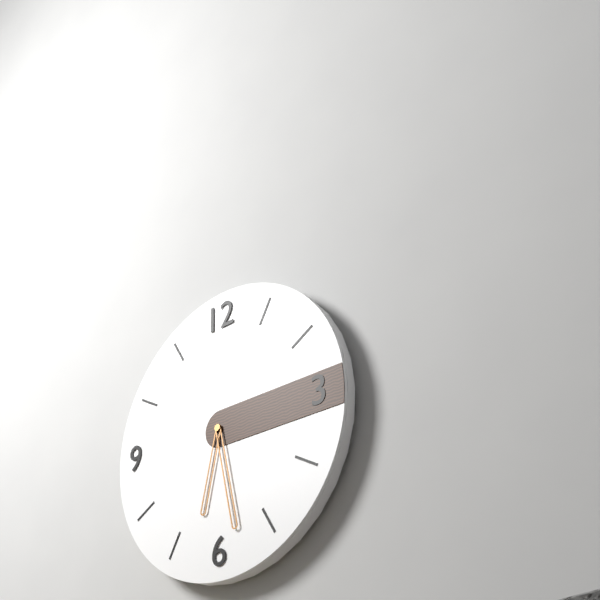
6:28
